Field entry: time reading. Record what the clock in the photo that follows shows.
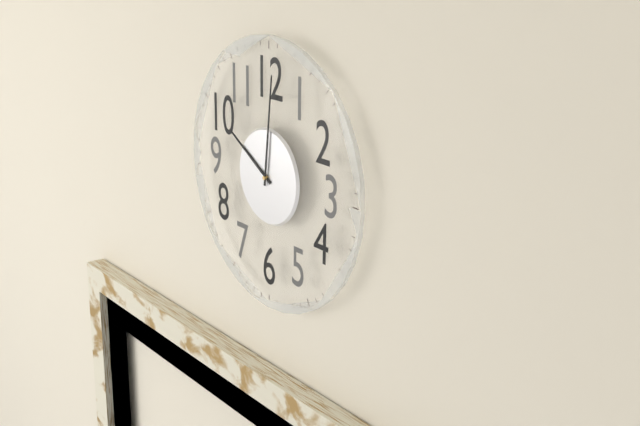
10:01
